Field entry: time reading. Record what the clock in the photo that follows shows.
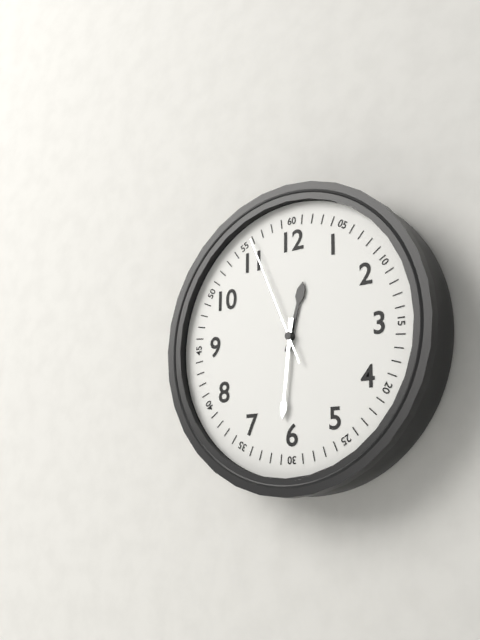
12:31:56
